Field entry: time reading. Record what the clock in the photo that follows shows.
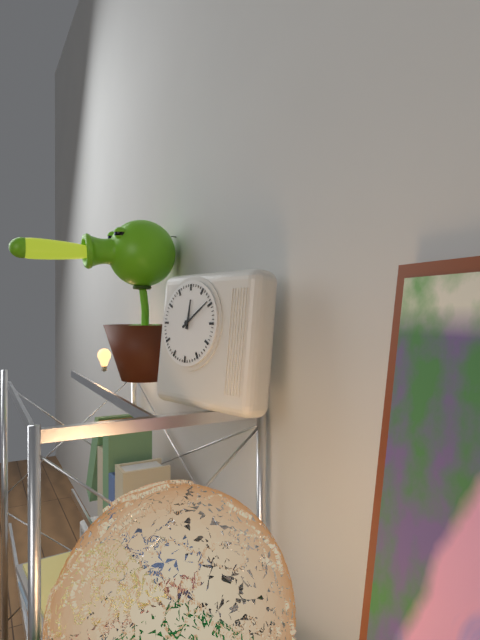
12:09
